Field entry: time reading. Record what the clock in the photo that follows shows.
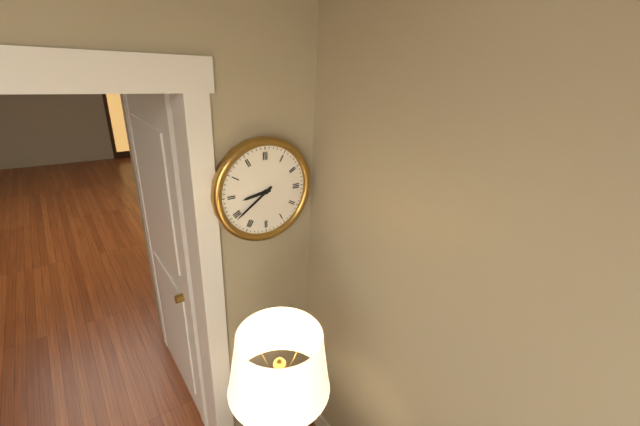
8:39
